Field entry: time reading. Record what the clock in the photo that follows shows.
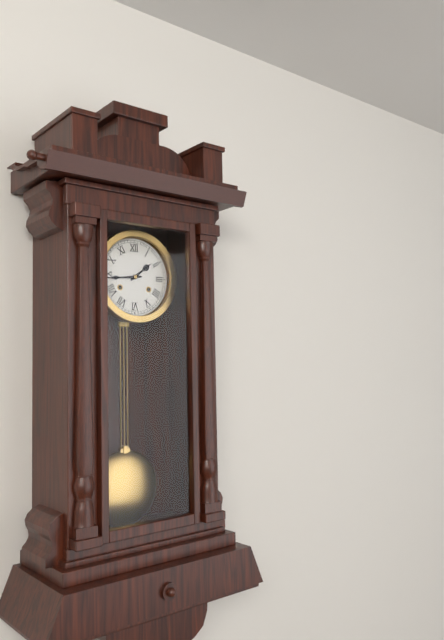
1:44
